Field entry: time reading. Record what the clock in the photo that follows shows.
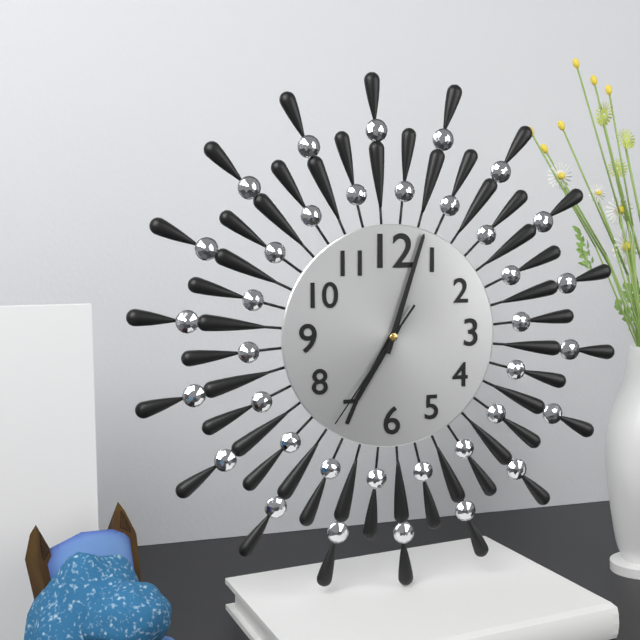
7:03:36
